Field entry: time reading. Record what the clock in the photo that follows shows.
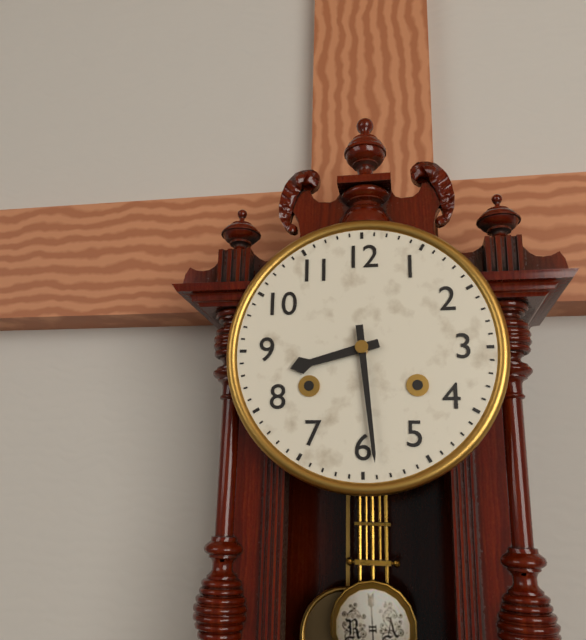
8:29
